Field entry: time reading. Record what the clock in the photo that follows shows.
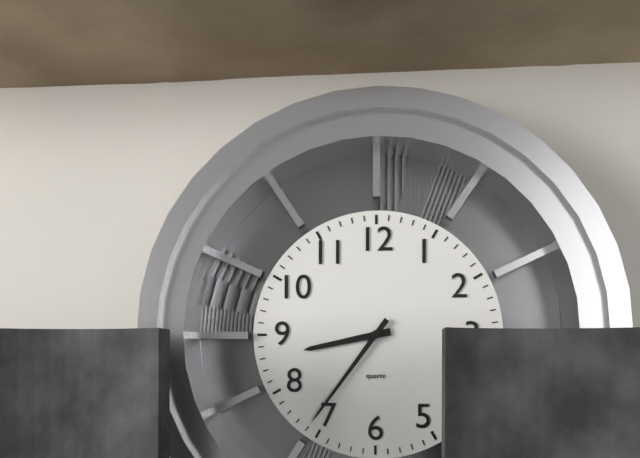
8:36
